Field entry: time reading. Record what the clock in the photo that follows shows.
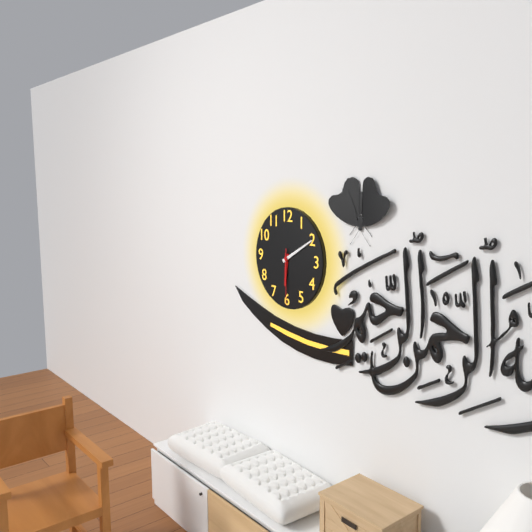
6:10:30
